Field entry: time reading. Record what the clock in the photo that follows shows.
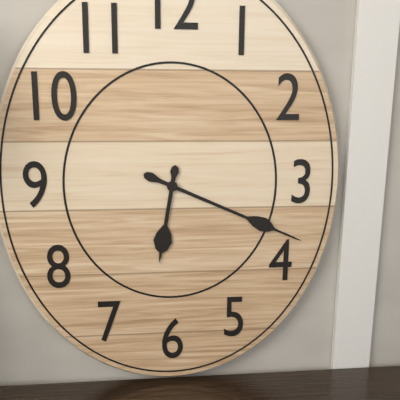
6:19
